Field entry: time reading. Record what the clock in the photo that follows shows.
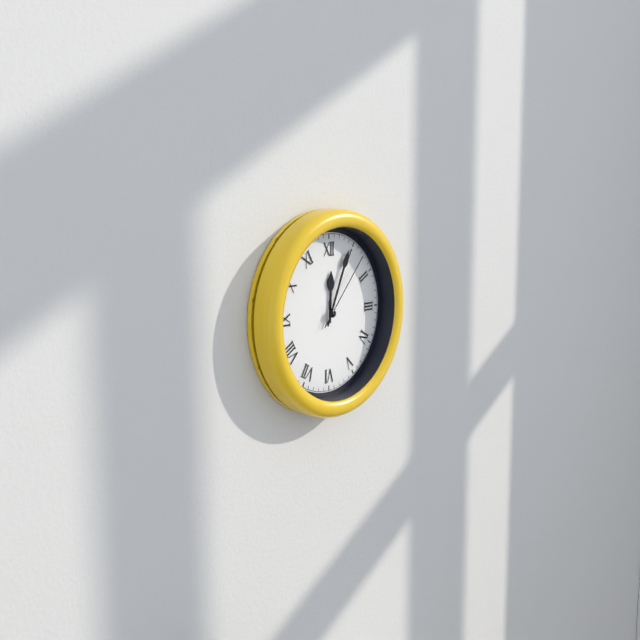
12:04:07
